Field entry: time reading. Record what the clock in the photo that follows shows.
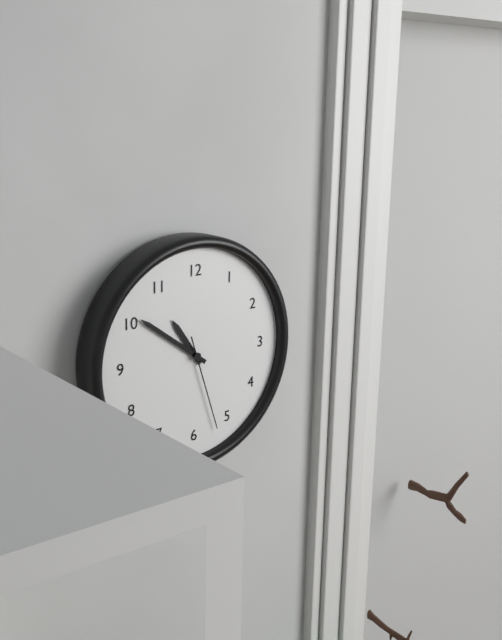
10:51:27
